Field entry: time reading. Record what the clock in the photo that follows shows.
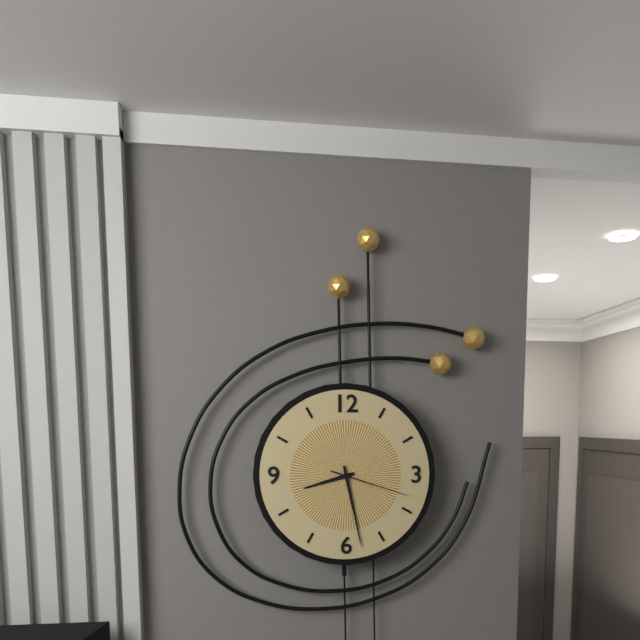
8:28:18
